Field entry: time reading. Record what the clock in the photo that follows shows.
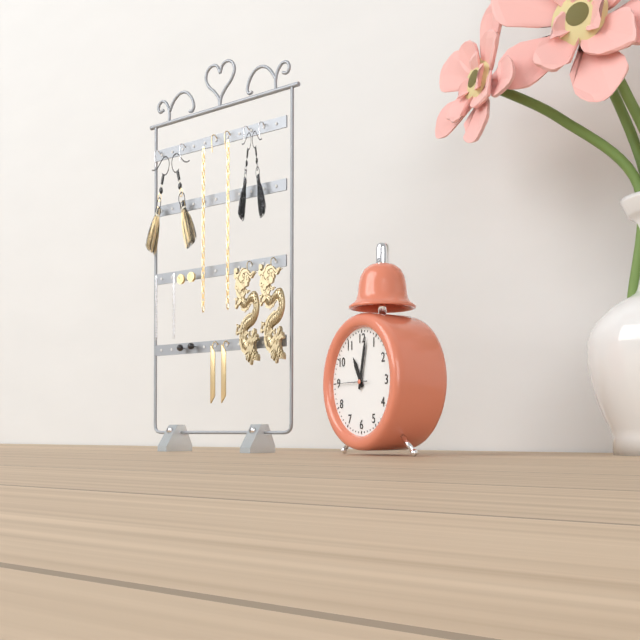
11:02
